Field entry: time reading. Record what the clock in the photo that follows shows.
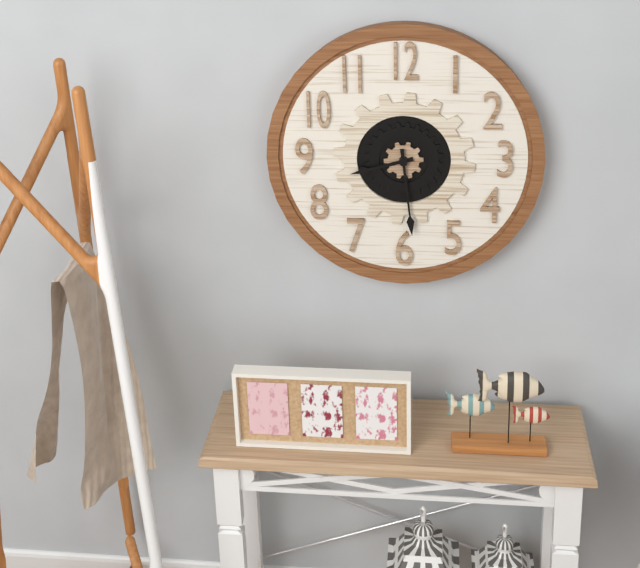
8:29
